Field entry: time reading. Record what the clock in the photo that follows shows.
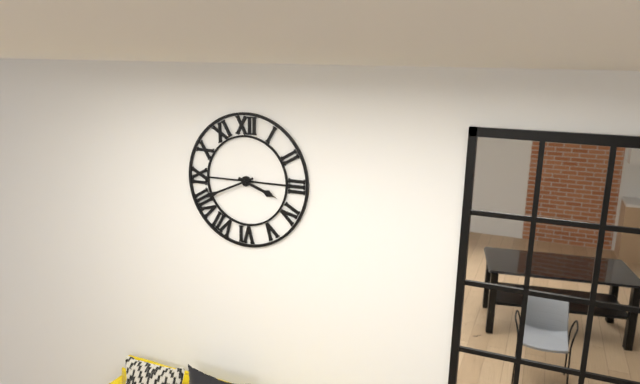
3:41
